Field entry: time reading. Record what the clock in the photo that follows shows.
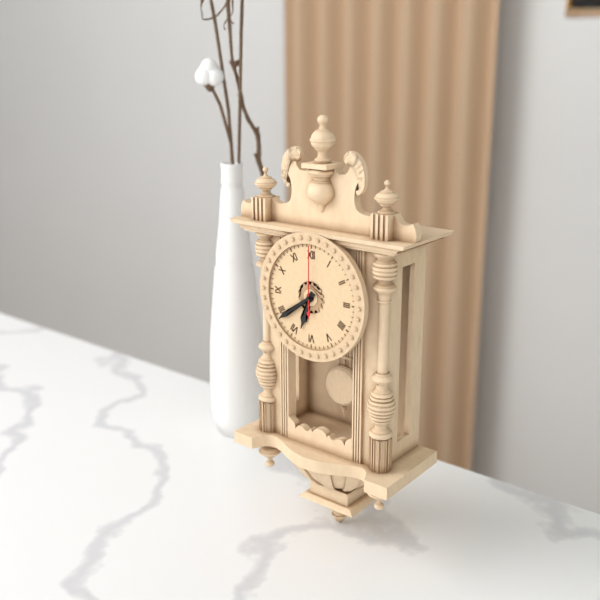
6:39:00
